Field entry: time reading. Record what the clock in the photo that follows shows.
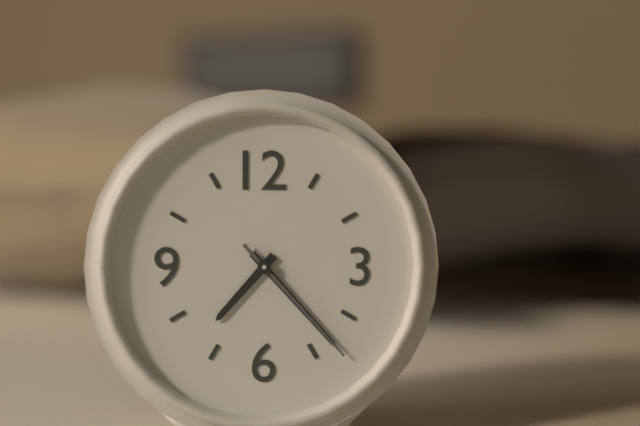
7:23:23
